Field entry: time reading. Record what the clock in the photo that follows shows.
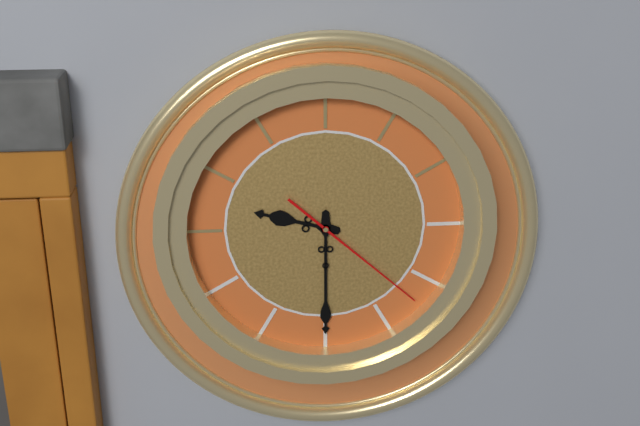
9:30:22
